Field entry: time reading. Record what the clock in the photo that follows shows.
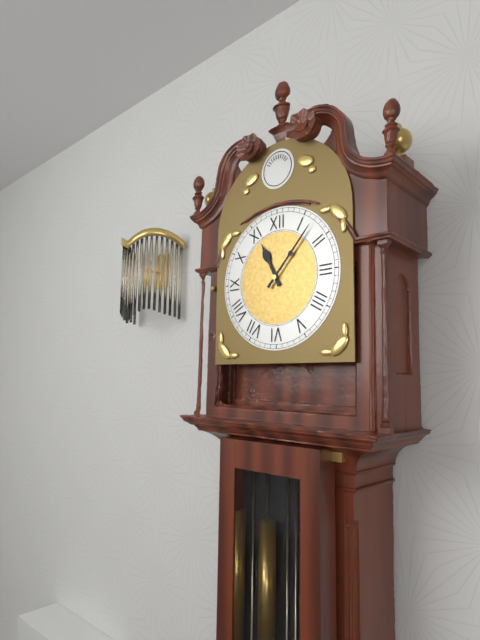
11:07
